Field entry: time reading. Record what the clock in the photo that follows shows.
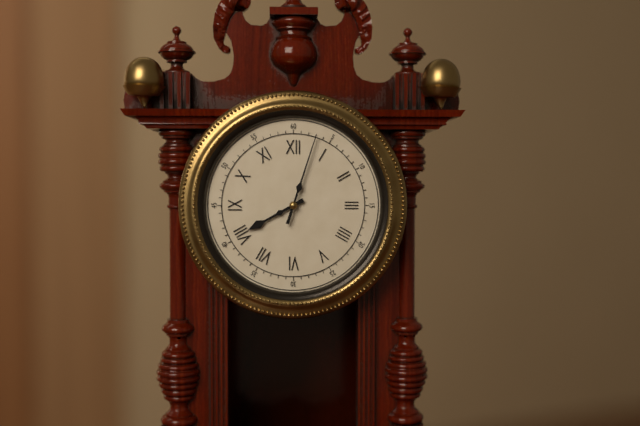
8:03
